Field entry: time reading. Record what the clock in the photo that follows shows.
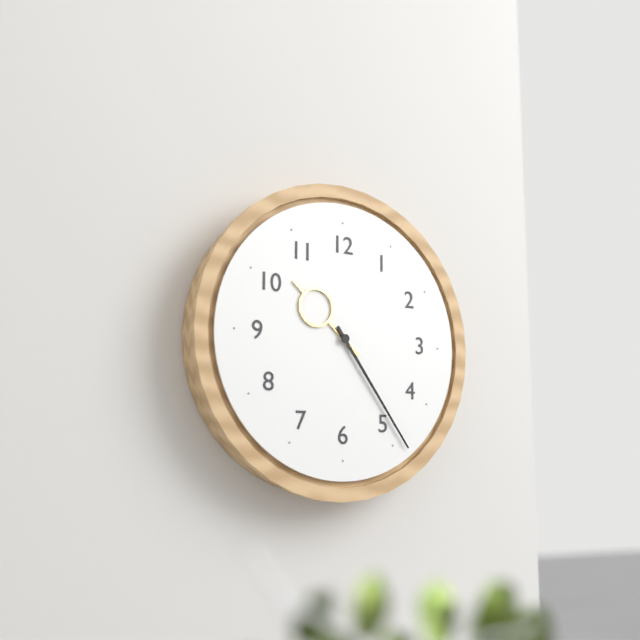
10:24
